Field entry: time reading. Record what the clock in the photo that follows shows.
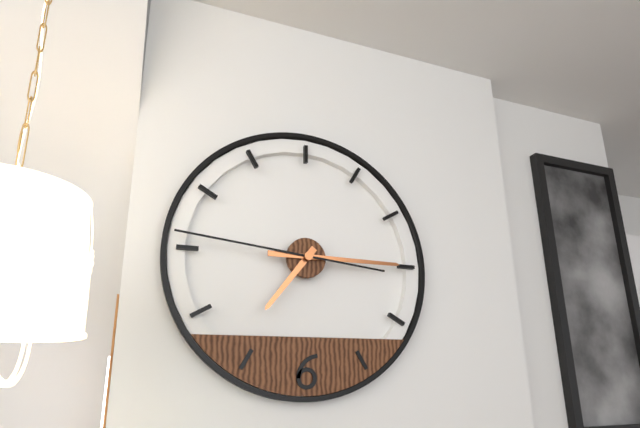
7:15:46
